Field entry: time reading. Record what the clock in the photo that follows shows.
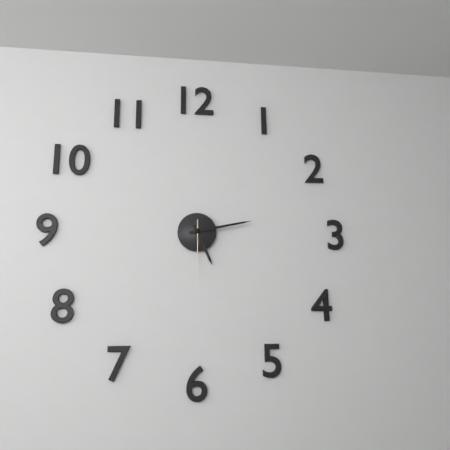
5:13:30
